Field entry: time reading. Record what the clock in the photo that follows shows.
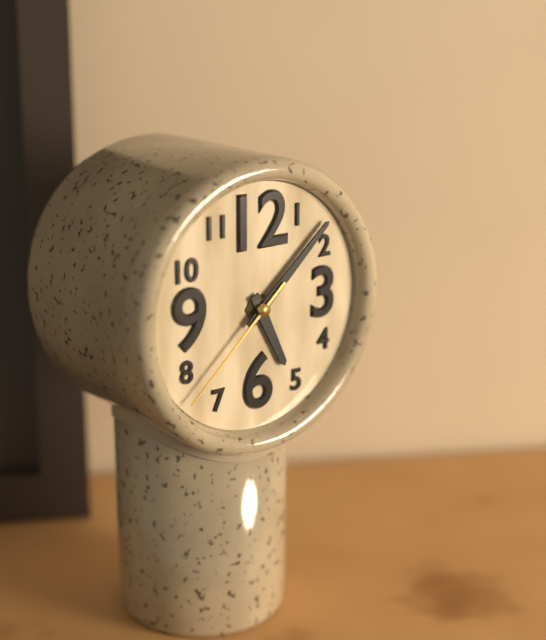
5:08:38
